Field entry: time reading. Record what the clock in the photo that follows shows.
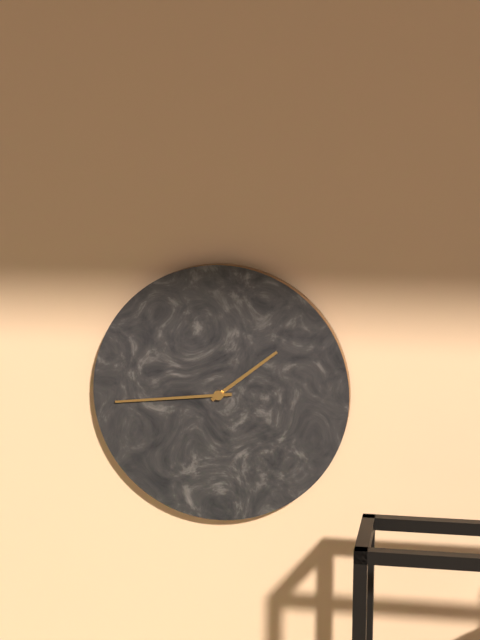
1:44
